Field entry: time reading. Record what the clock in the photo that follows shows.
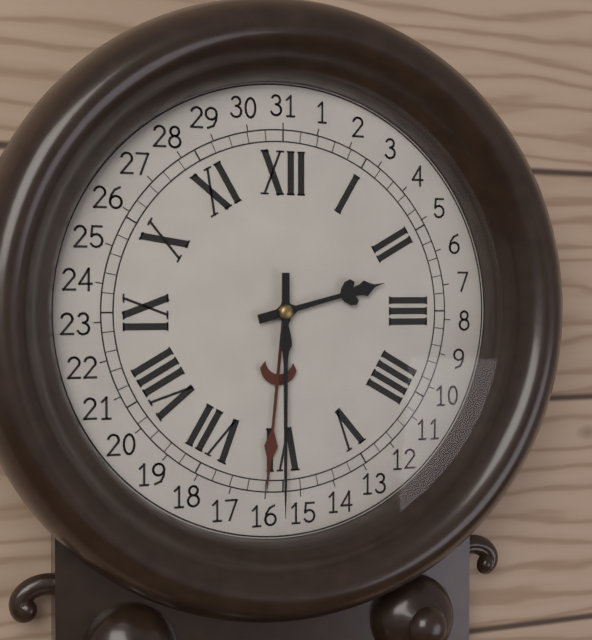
2:30
